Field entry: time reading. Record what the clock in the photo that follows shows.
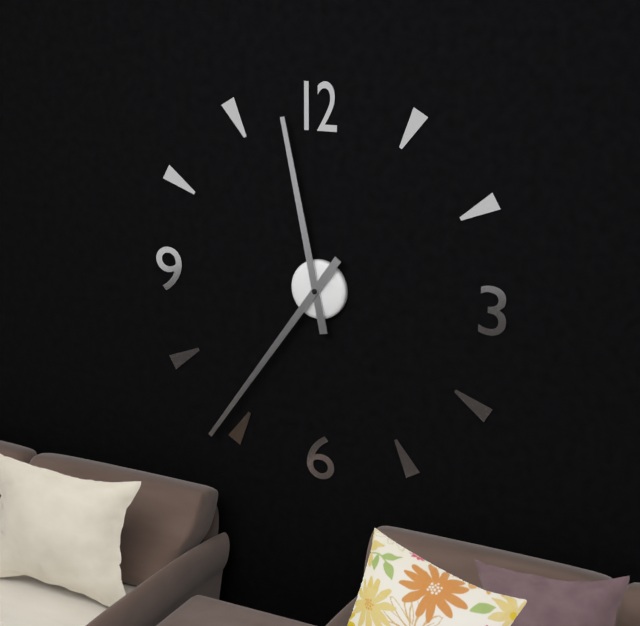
11:36
